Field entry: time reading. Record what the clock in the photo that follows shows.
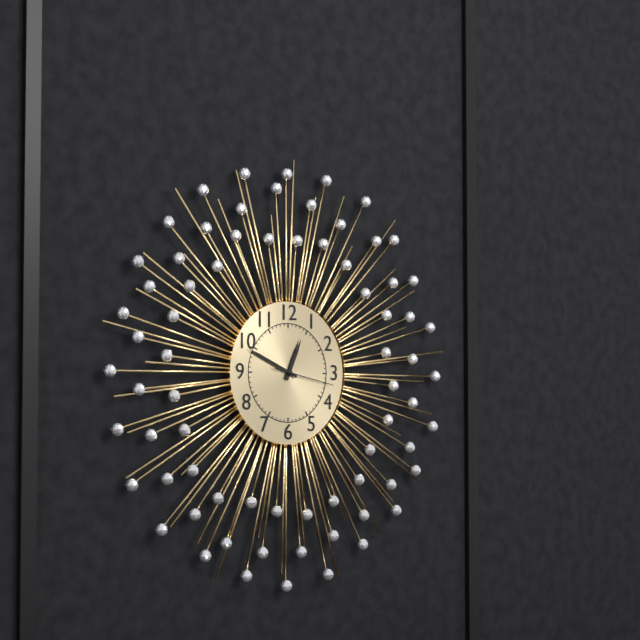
12:49:17
